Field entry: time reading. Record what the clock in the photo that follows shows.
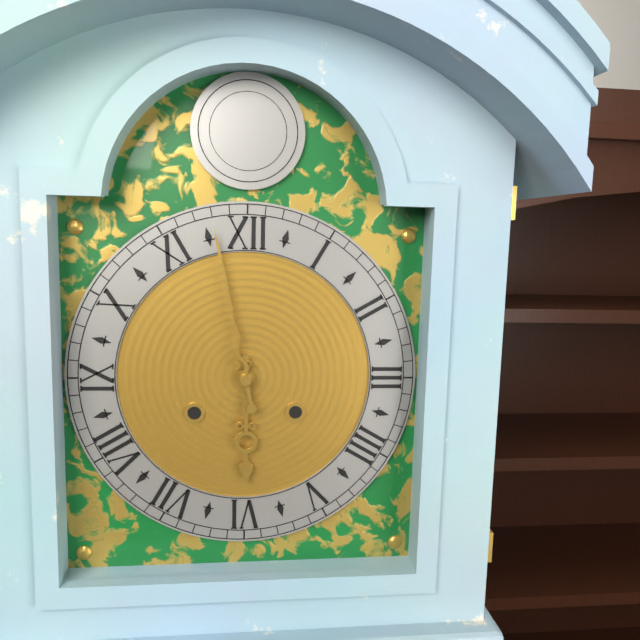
5:58
